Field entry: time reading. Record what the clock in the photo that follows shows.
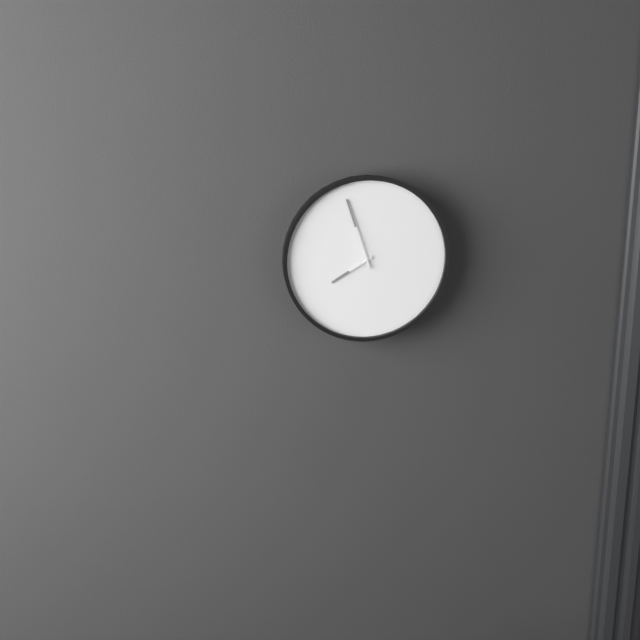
7:57
